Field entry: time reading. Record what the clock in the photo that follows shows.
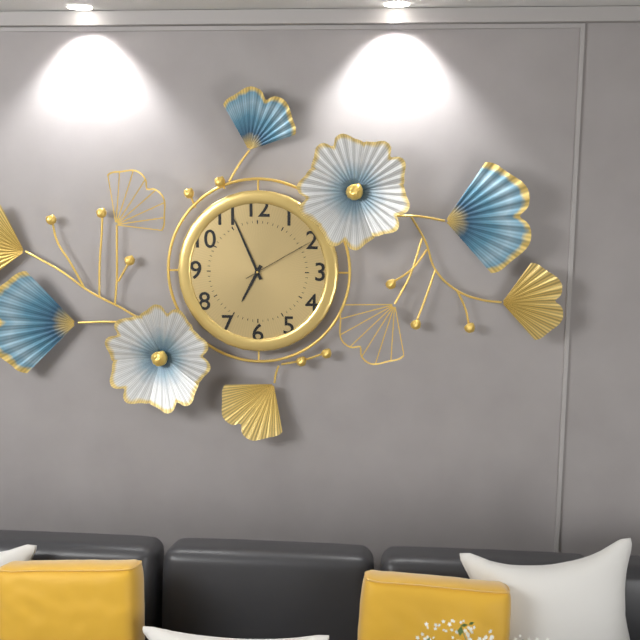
6:56:10
